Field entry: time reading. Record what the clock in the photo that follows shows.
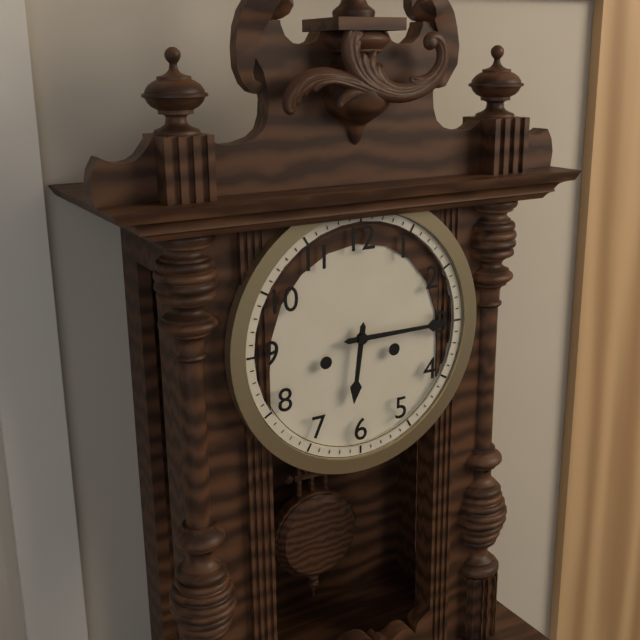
6:15
